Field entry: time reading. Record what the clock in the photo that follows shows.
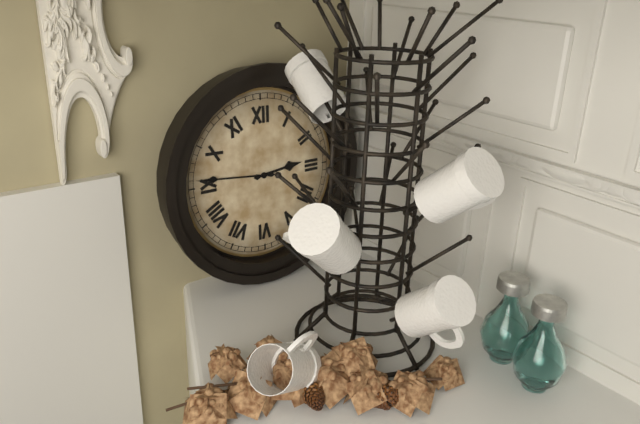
2:46
